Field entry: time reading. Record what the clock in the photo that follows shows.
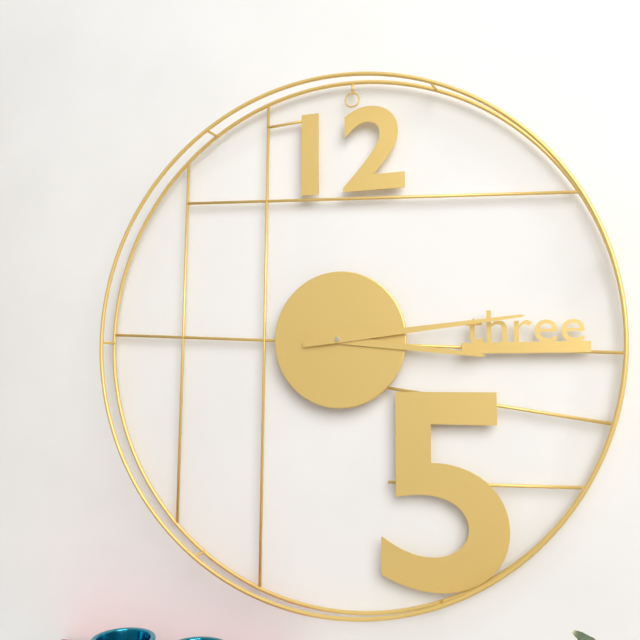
3:14
